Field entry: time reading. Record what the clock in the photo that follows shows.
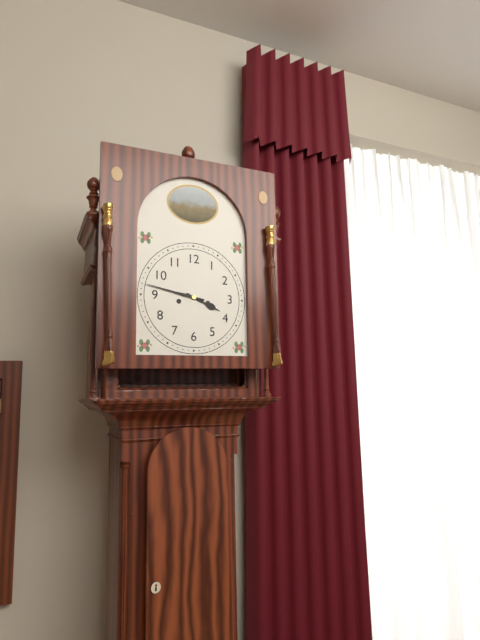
3:47
